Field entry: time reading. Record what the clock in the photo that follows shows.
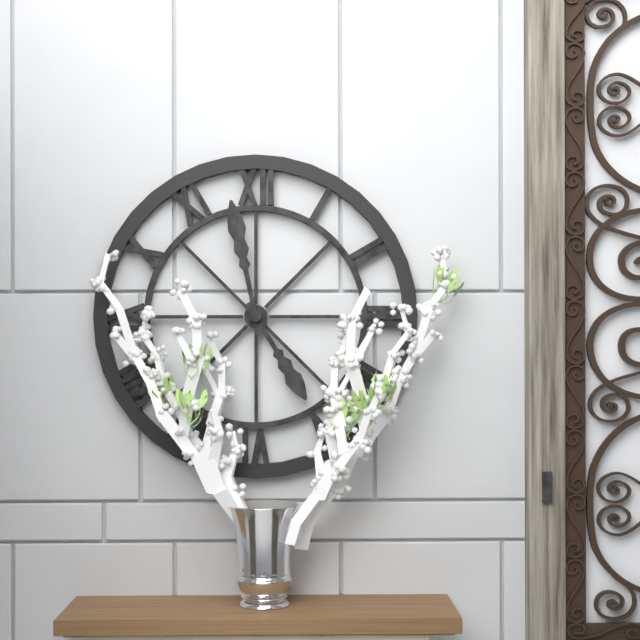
4:58
